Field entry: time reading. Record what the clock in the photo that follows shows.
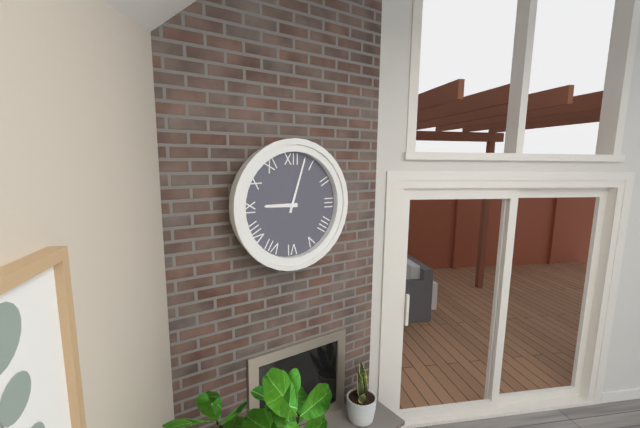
9:03
